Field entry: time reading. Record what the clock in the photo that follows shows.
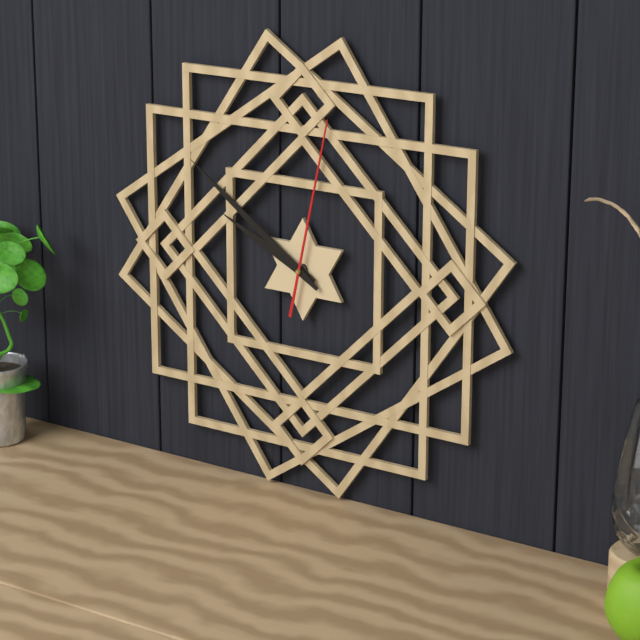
9:51:02
